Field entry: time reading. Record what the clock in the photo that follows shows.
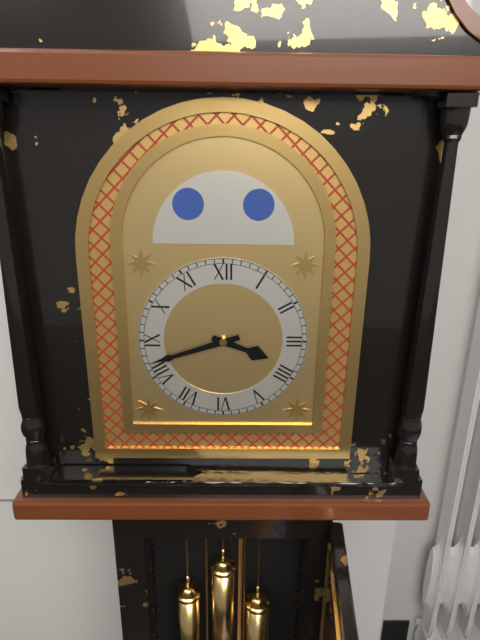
3:42
